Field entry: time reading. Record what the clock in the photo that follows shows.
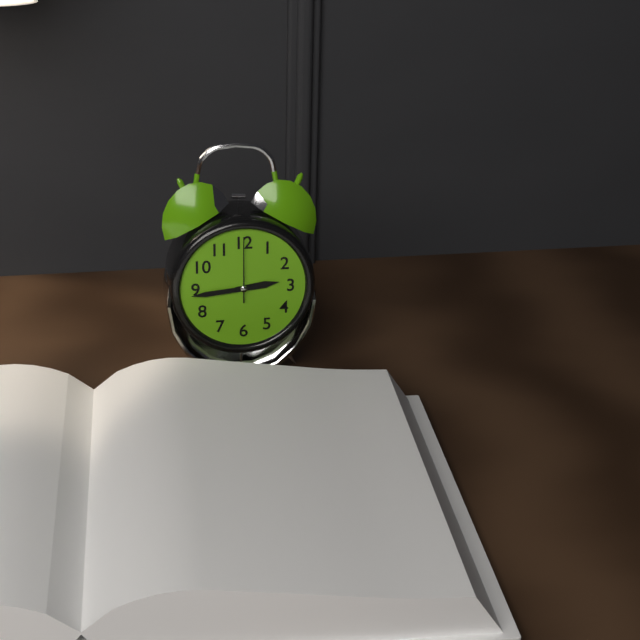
2:44:00
